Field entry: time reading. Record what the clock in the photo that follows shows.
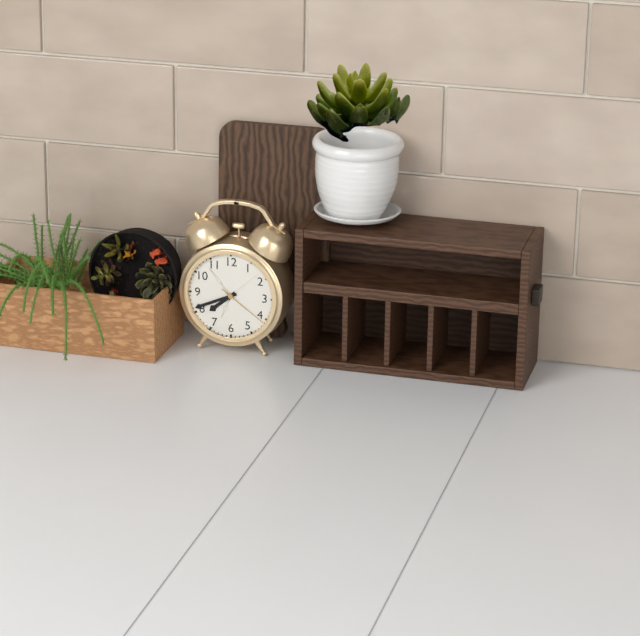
7:41:21
